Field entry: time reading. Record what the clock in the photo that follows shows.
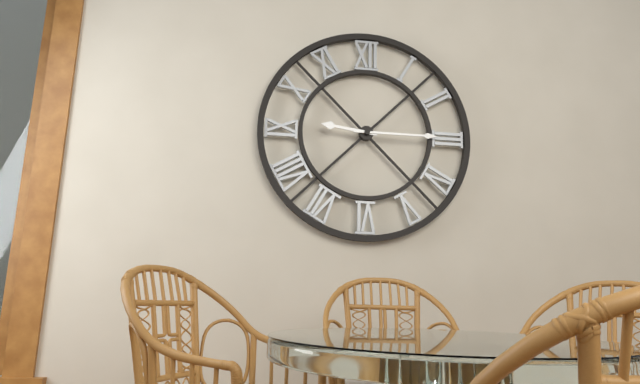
9:15
